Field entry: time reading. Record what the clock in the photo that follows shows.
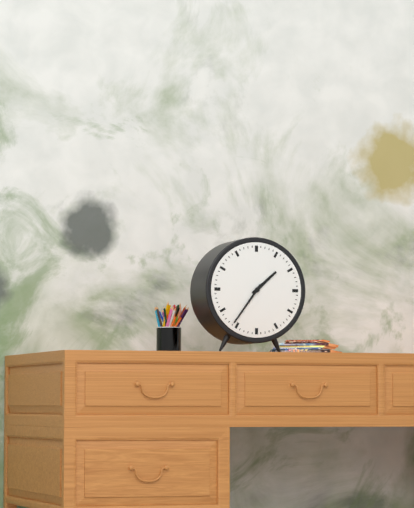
1:36
